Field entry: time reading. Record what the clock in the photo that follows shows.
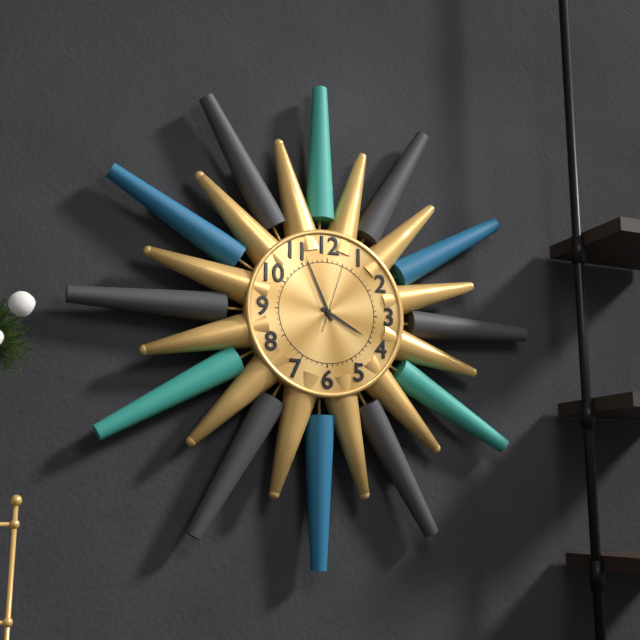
3:56:03
